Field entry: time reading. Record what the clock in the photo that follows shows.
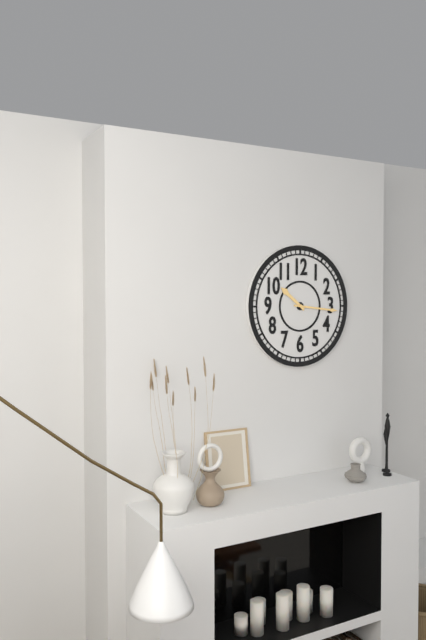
10:16
